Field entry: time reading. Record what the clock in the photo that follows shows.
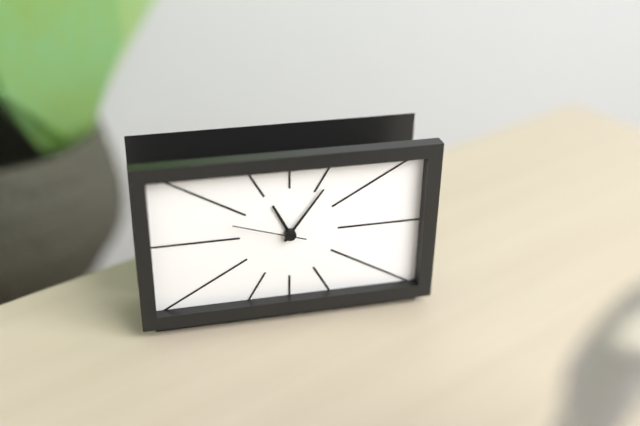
11:06:48
